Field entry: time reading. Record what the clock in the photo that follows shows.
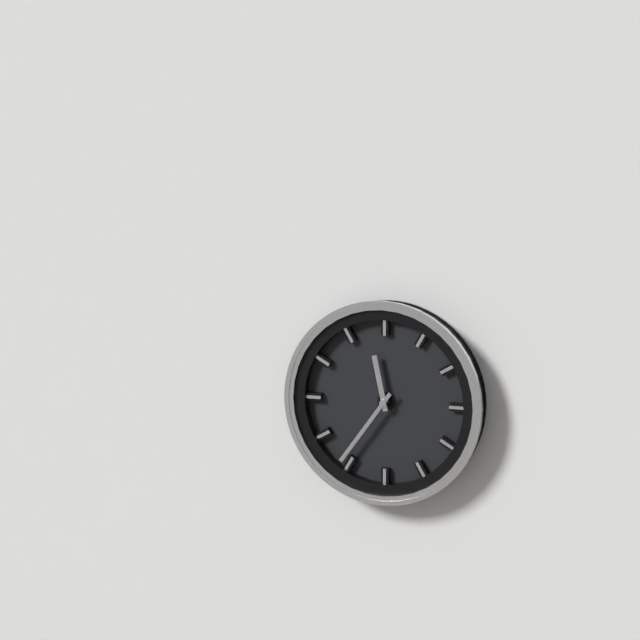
11:36
